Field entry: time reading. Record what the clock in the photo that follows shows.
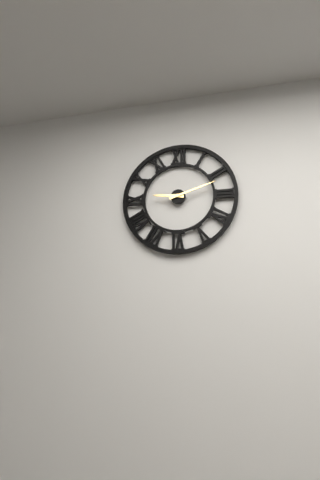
9:12
